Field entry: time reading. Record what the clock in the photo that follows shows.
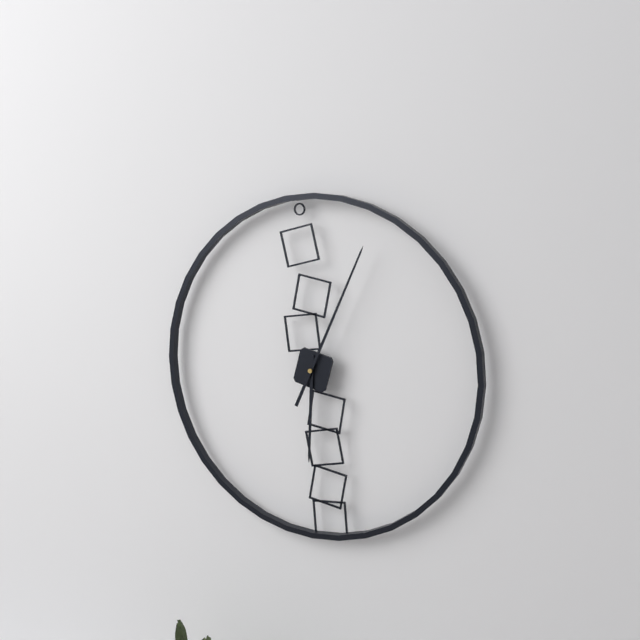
6:04
